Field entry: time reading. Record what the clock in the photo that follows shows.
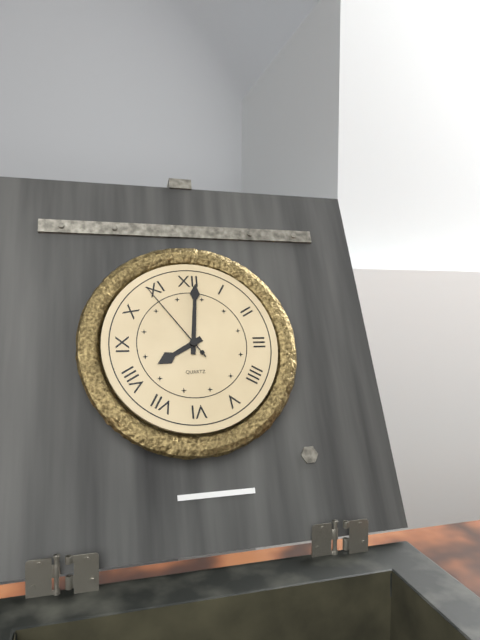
8:01:54
